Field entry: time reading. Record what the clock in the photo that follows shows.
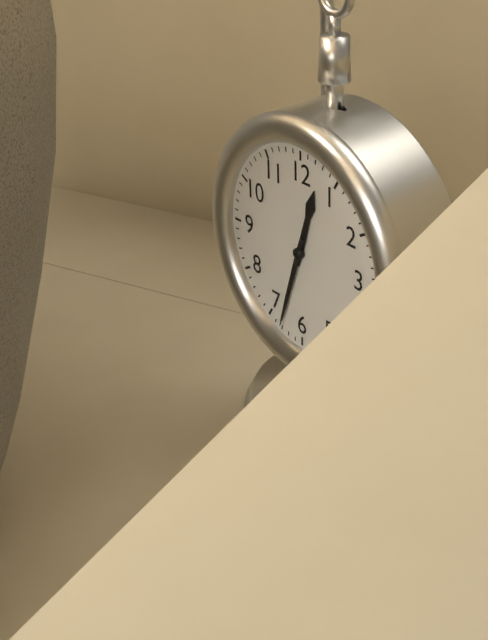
12:33
